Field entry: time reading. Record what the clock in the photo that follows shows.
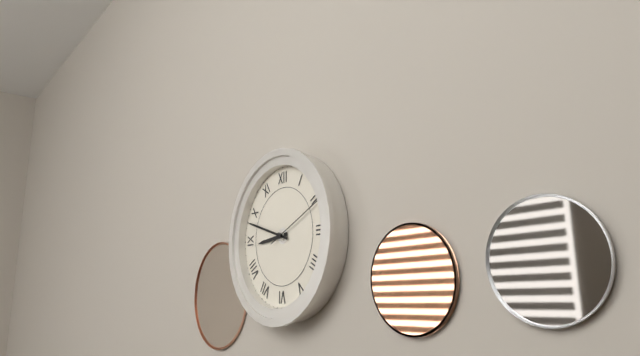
8:48:11
